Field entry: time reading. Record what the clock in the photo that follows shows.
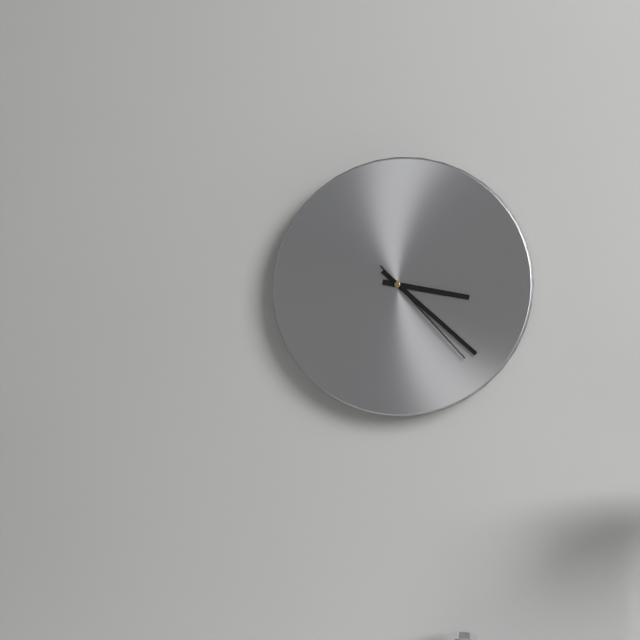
3:22:23
